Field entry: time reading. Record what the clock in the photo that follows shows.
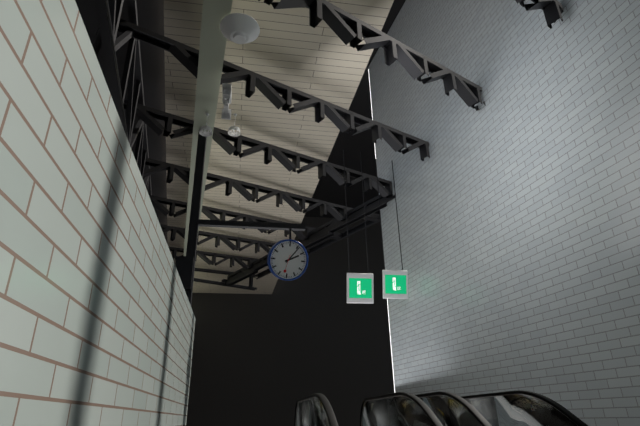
2:06
